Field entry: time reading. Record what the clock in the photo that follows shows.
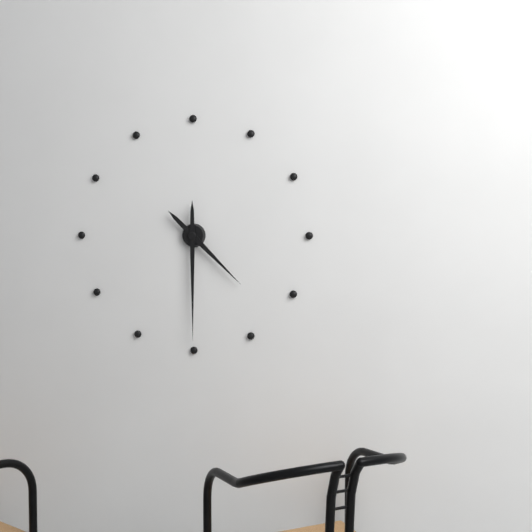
4:30
